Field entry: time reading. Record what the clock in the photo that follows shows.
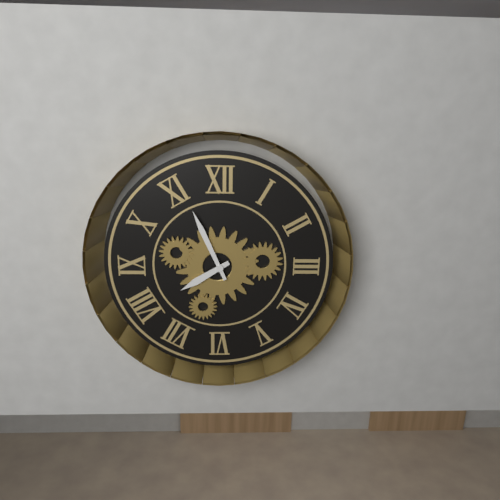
7:56
